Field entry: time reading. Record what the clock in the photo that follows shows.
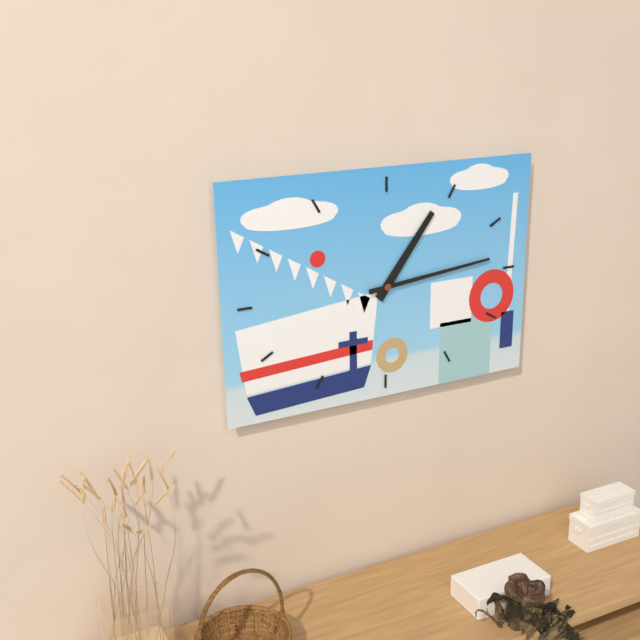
1:14
